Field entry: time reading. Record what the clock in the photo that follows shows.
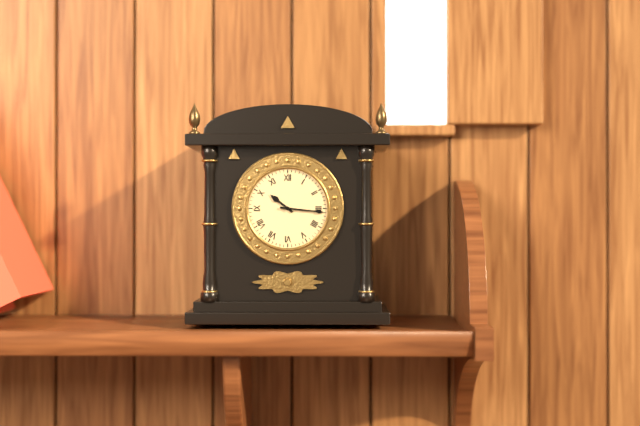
10:16
